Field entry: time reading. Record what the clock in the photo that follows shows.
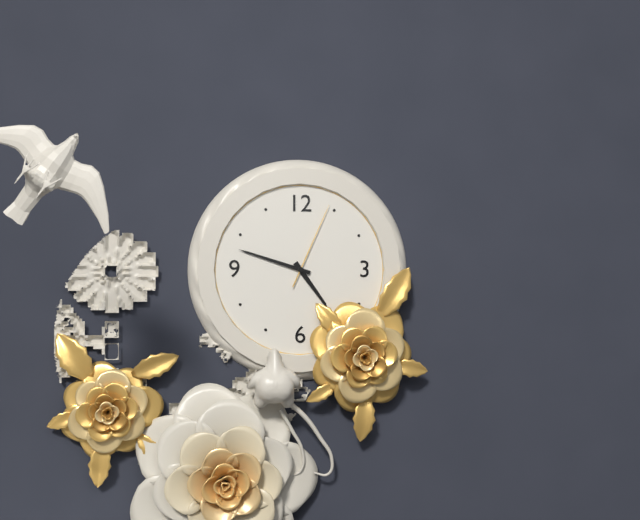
4:48:04
